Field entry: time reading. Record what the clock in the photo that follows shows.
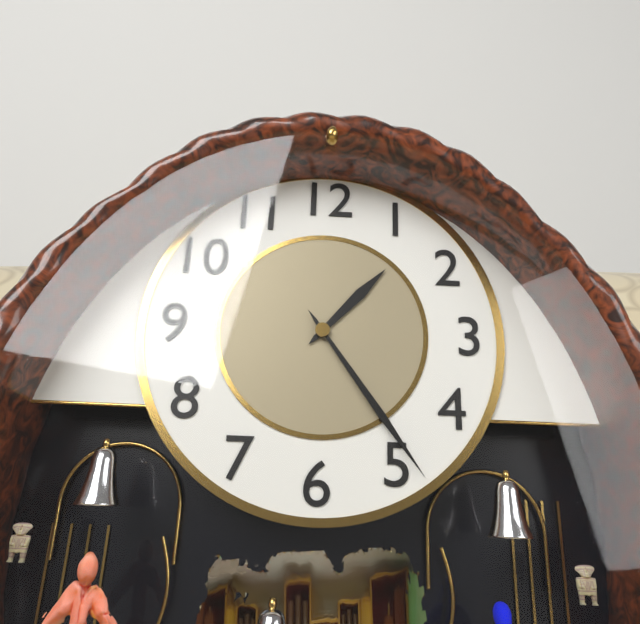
1:24
